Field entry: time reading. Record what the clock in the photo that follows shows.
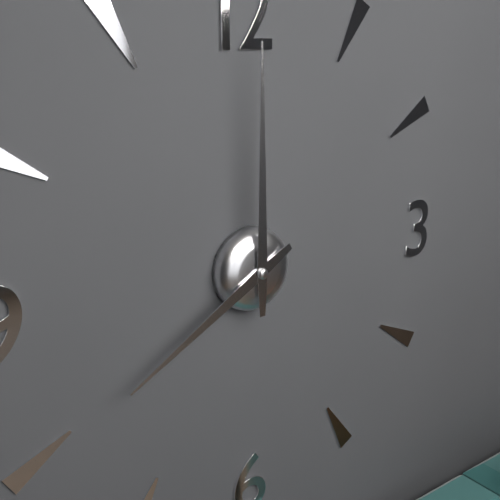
8:00
